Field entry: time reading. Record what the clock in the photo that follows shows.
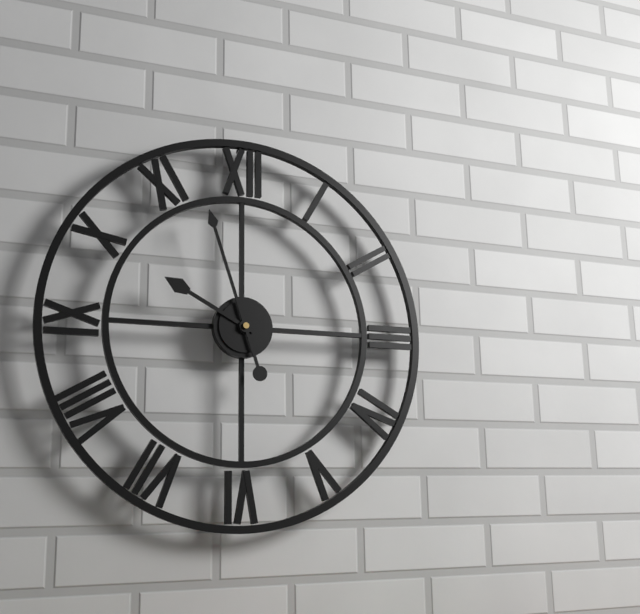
9:57
